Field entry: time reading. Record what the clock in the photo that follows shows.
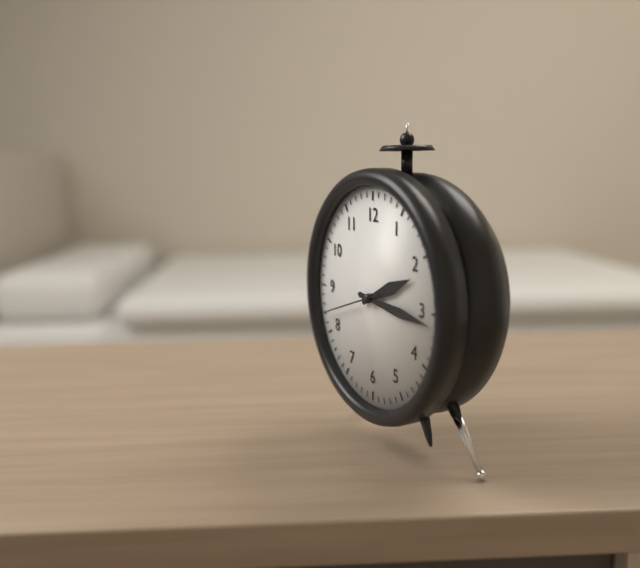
2:16:42
